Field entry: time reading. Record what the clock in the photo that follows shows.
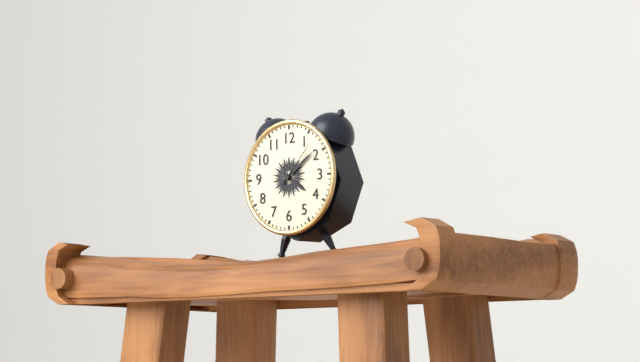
4:09:07
